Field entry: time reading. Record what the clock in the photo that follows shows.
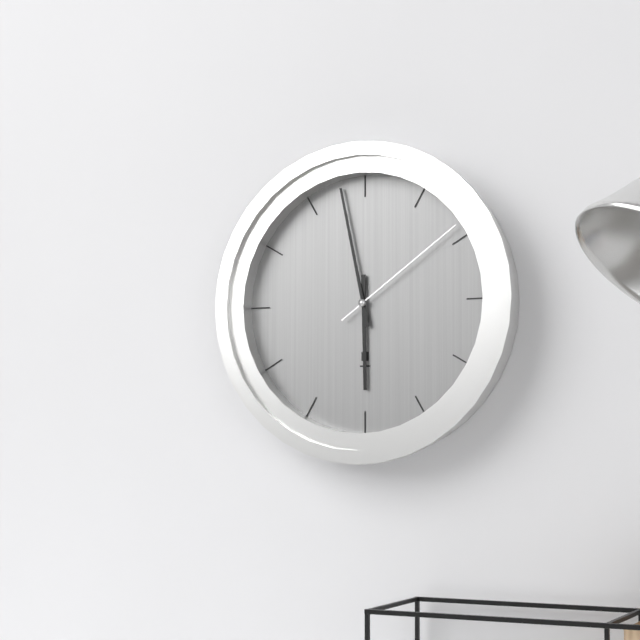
5:58:09
